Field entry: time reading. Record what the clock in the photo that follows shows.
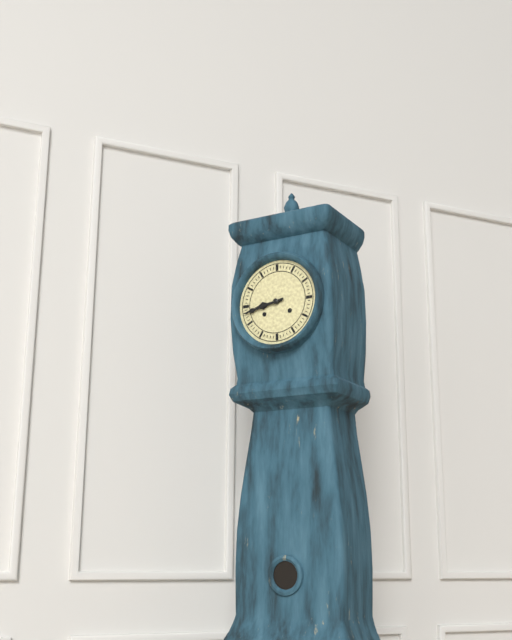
8:43
